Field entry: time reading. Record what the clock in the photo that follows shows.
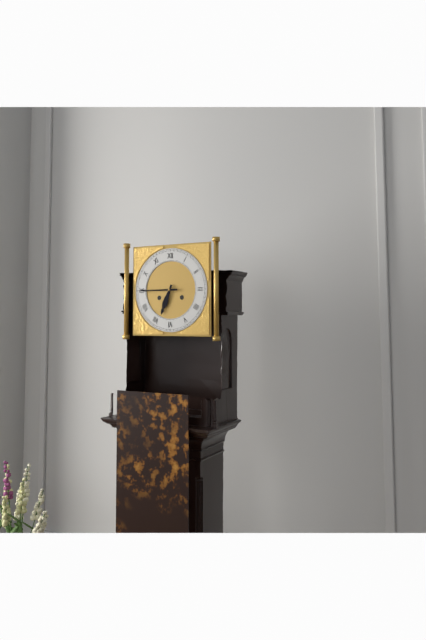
6:45
